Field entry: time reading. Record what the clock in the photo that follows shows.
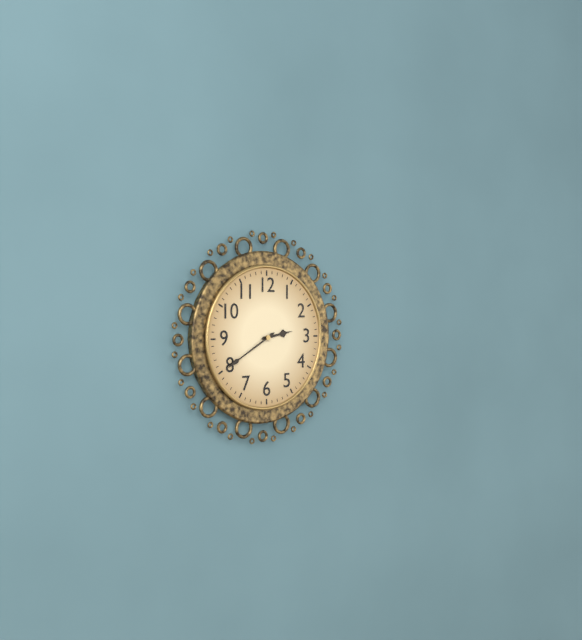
2:40
